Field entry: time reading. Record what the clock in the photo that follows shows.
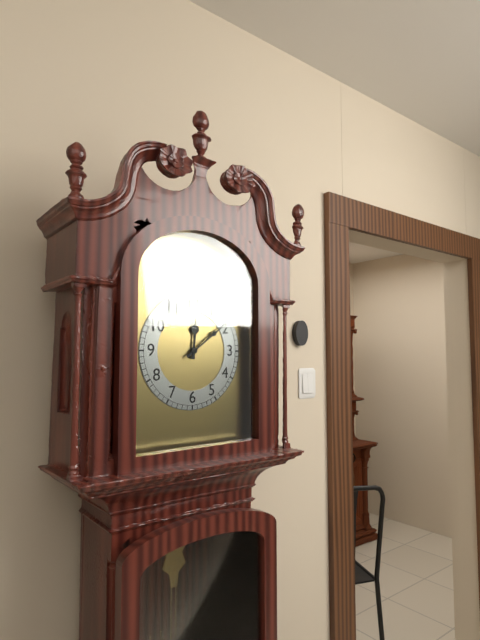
12:09
